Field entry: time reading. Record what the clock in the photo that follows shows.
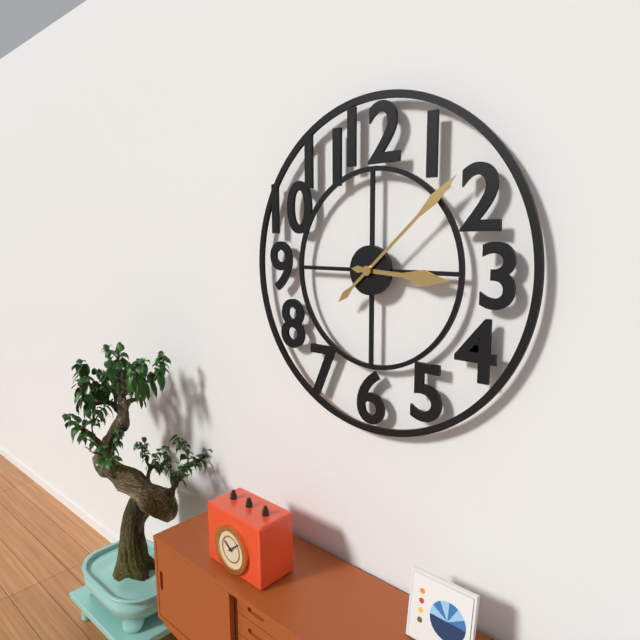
3:08
